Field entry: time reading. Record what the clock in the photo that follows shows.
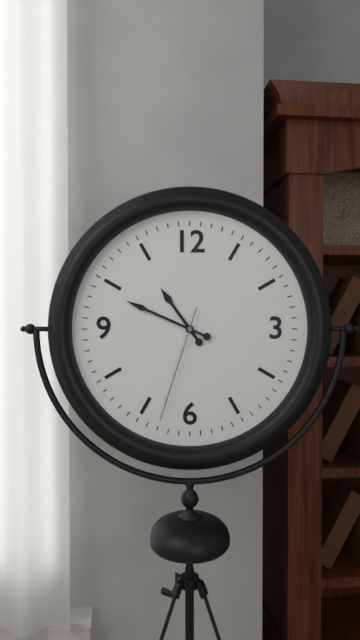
10:49:33
